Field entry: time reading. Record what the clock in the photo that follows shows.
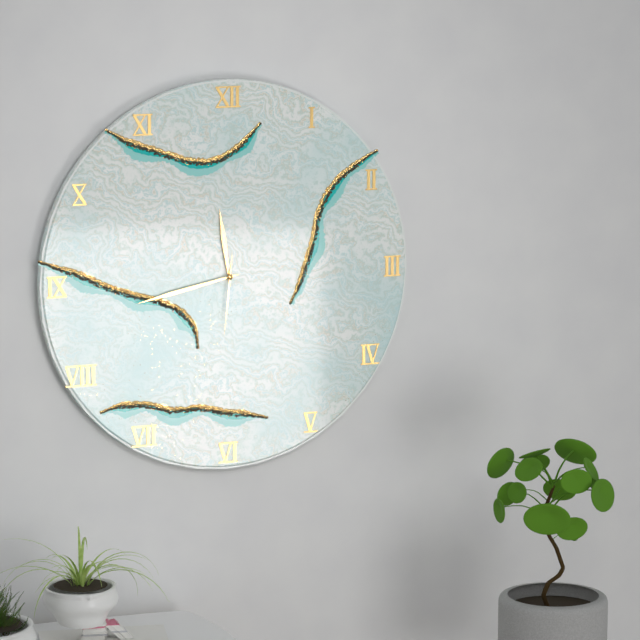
11:43:31
